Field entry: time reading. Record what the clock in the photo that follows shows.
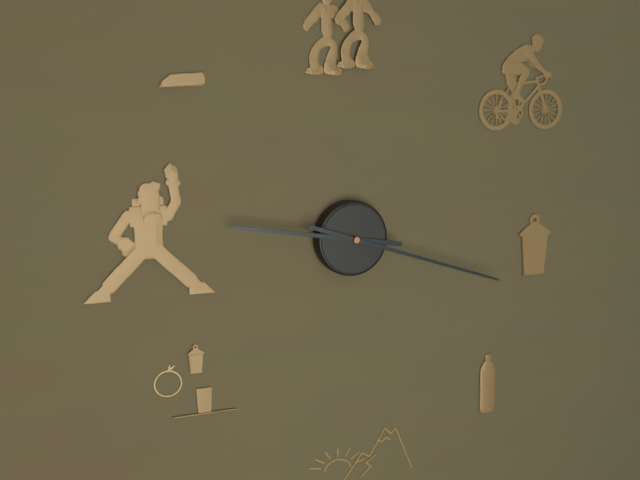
9:18
